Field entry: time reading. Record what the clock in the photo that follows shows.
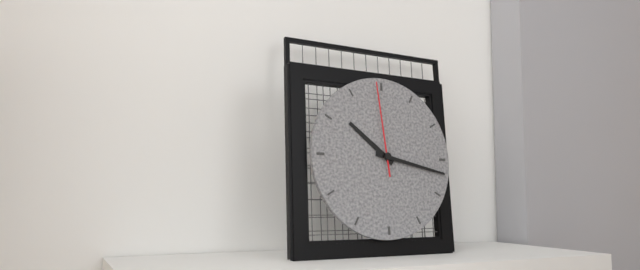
10:17:59
